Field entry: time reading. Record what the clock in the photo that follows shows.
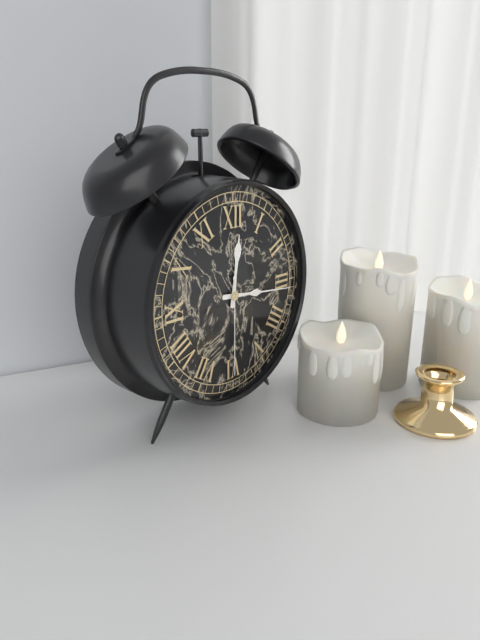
12:16:30
